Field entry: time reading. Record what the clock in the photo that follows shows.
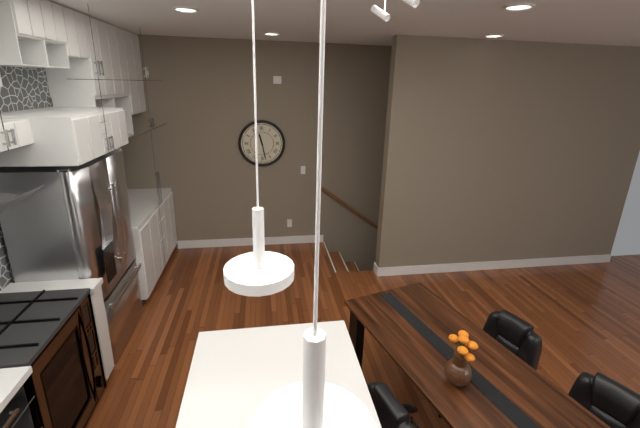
11:28
